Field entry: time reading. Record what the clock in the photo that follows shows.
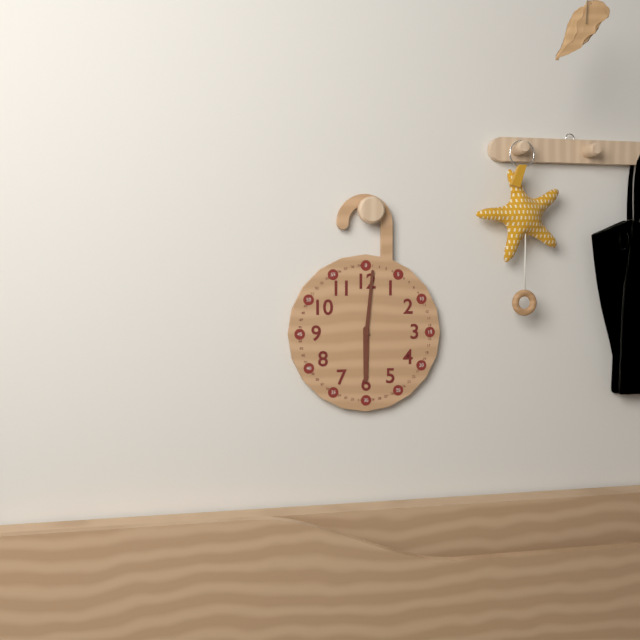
6:01
